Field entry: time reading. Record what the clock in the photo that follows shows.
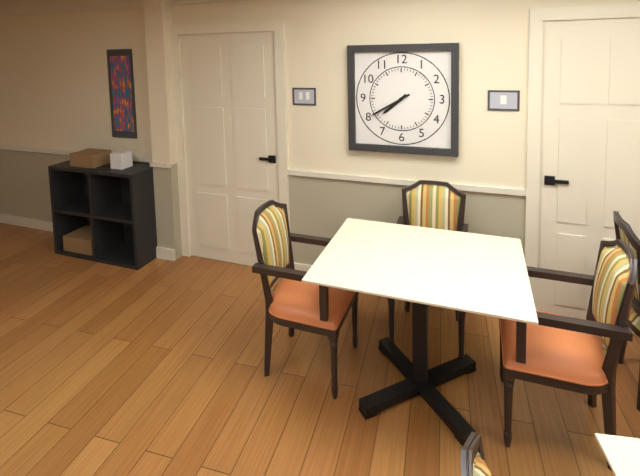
7:40
